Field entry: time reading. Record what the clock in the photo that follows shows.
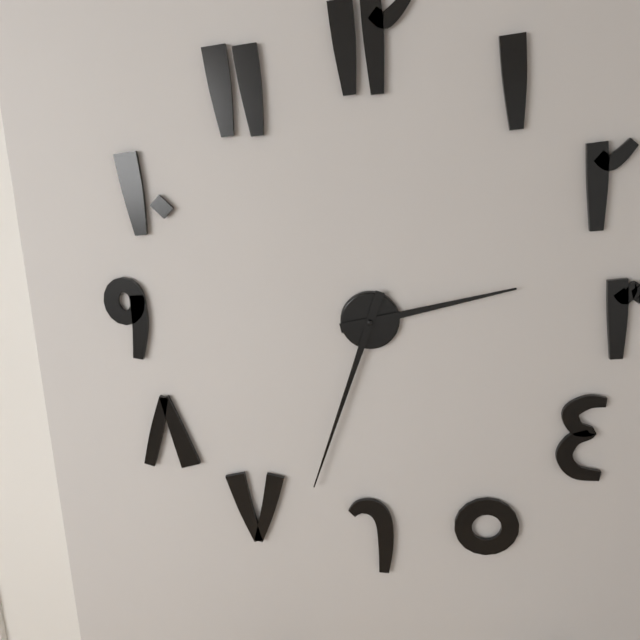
2:33
